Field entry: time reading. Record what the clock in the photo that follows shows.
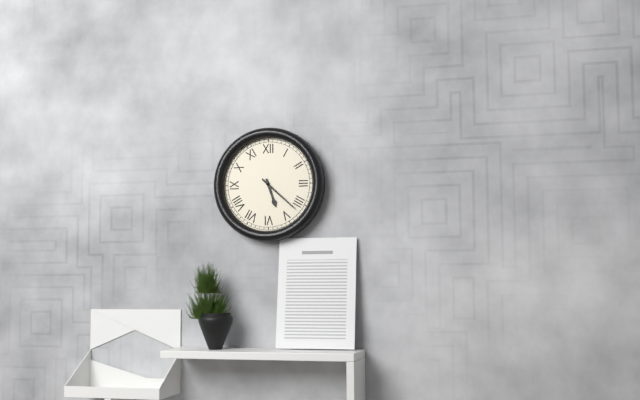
5:22
